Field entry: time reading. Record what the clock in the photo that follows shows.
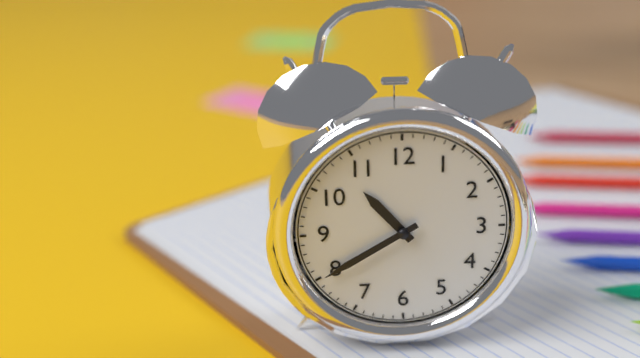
10:40
